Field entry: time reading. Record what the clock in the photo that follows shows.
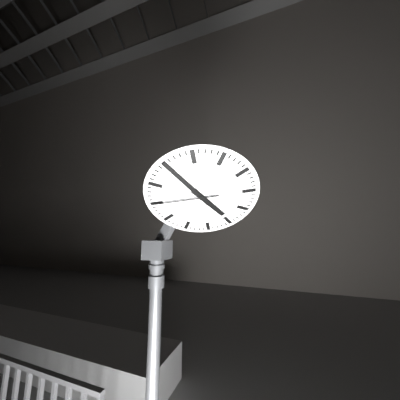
4:55:45
